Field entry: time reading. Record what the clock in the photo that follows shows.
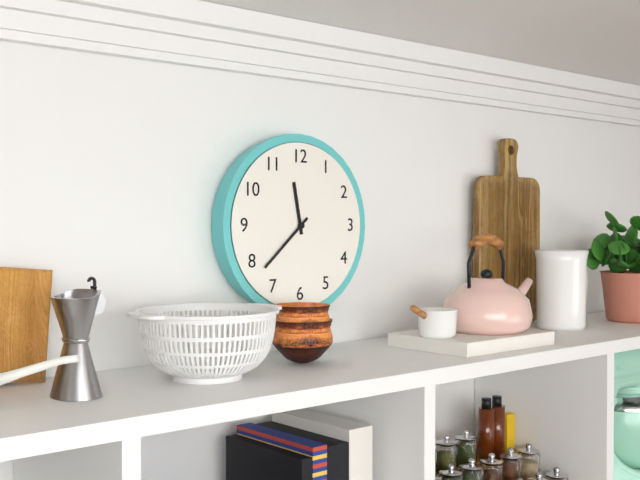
11:38
